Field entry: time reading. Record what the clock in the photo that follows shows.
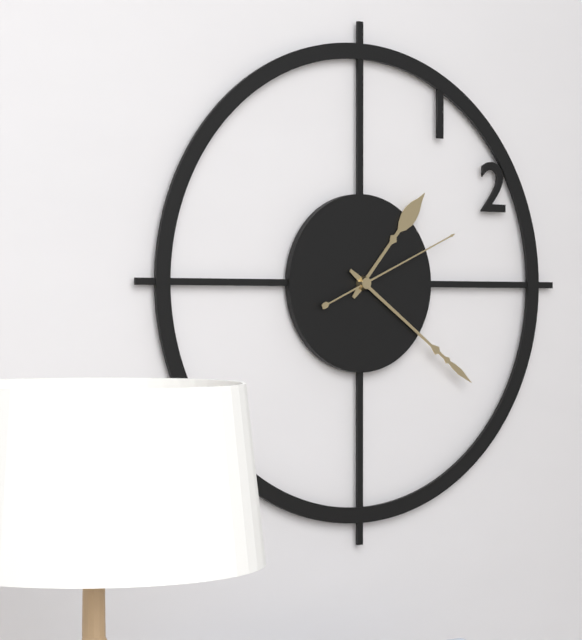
1:21:11
